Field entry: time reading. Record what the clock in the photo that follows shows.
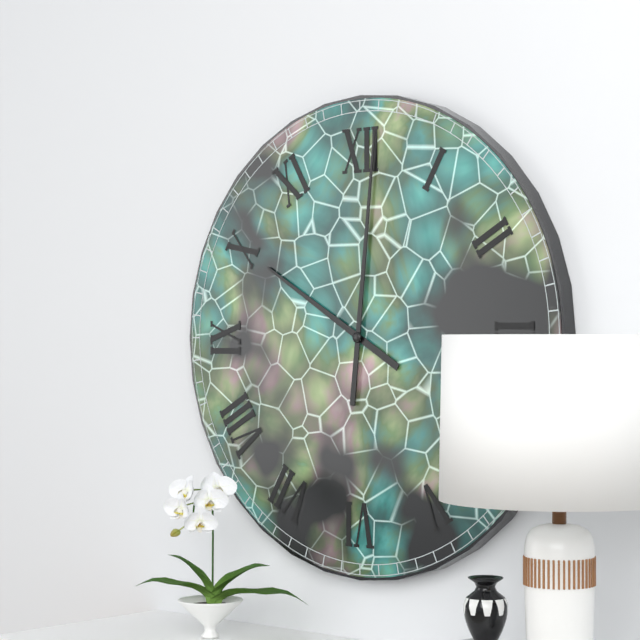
10:01
